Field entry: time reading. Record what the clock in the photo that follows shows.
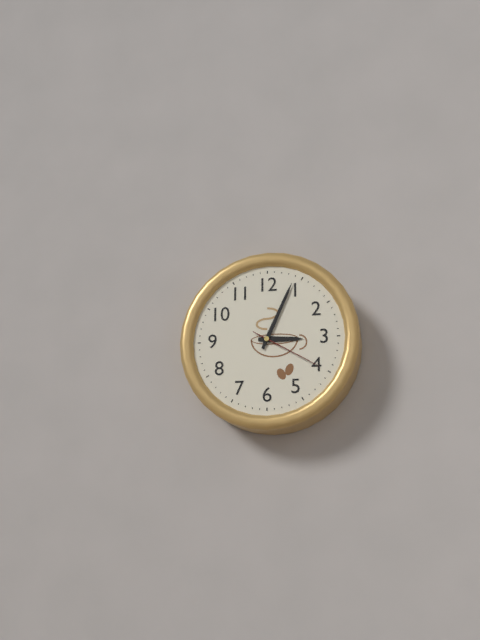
3:04:20
